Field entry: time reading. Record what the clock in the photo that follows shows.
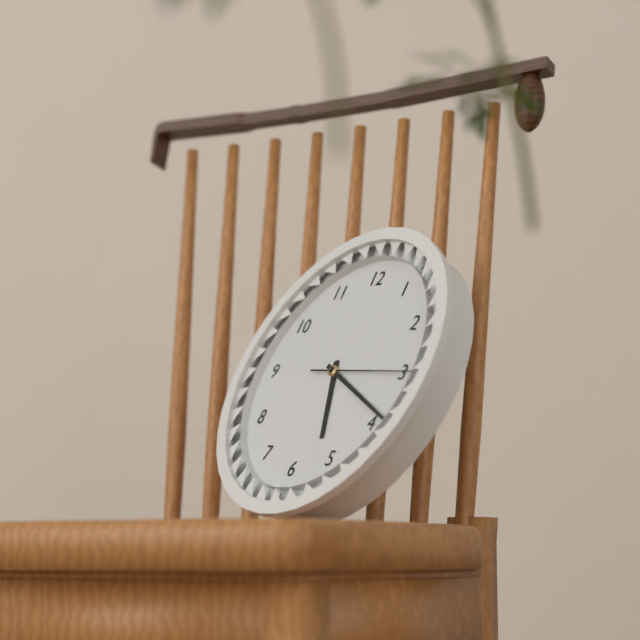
5:19:15
